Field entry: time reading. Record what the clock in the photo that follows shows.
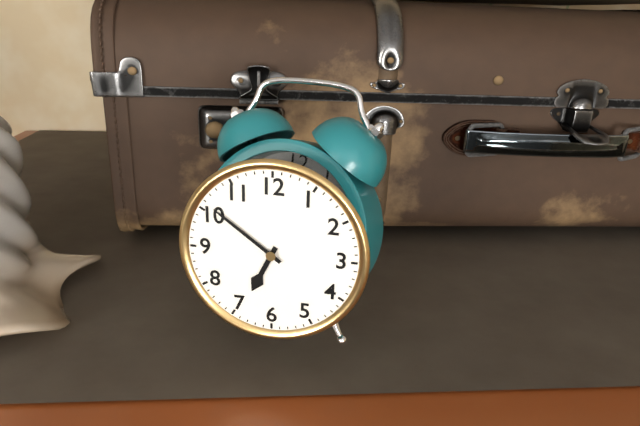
6:51
